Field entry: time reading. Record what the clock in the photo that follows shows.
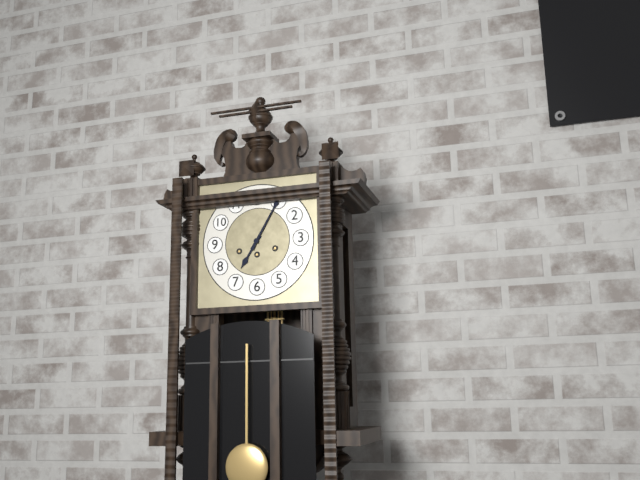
7:05
